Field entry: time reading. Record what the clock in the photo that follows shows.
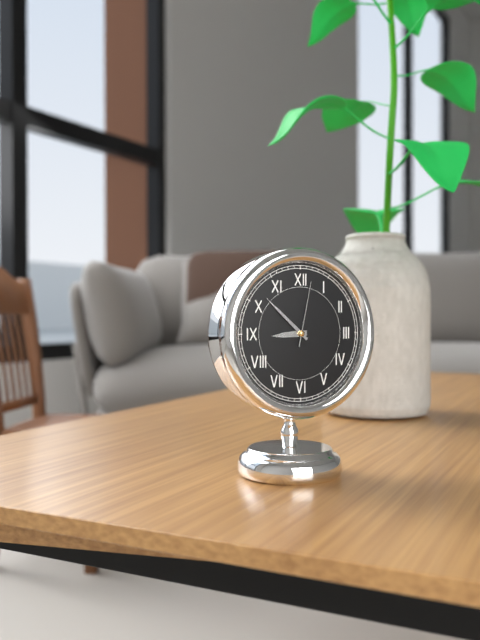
8:52:02
